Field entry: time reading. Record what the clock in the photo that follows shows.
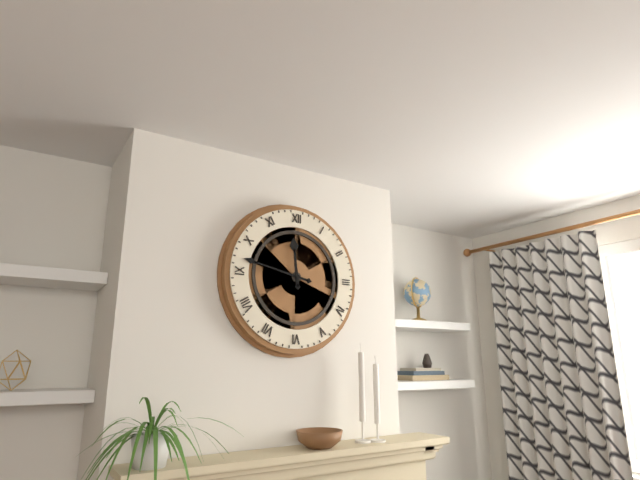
11:47
